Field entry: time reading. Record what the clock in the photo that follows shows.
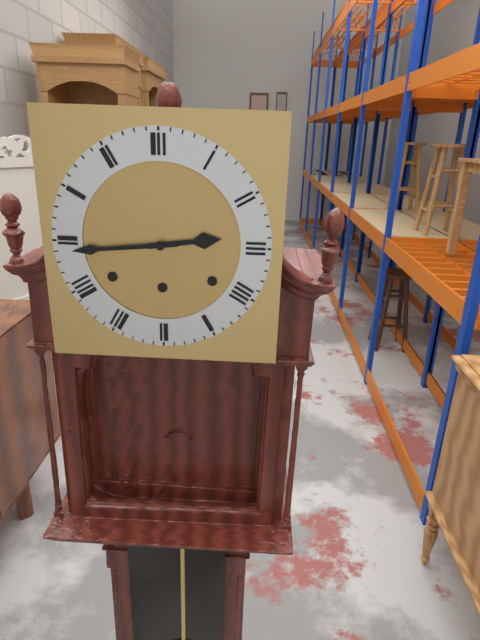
2:44
